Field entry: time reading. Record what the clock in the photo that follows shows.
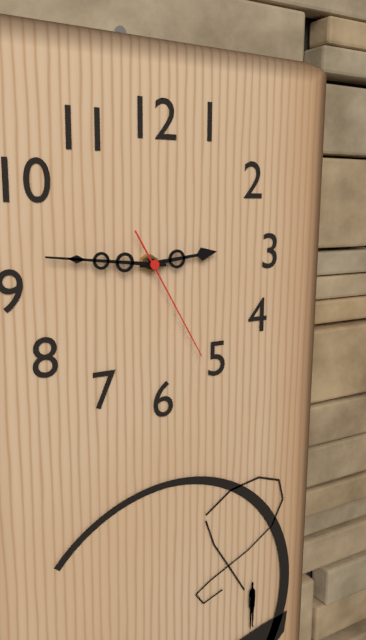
2:46:25
